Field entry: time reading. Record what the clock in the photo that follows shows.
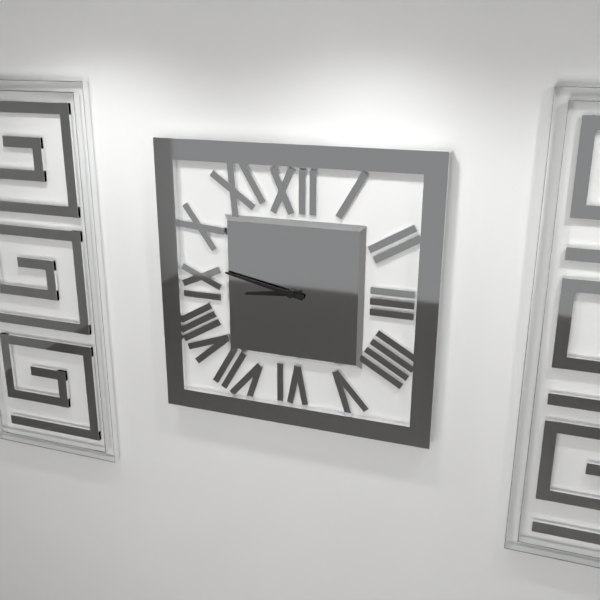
8:47
